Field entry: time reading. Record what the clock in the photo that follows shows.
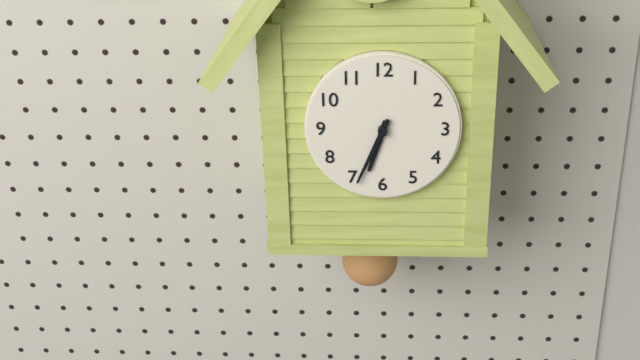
6:34
